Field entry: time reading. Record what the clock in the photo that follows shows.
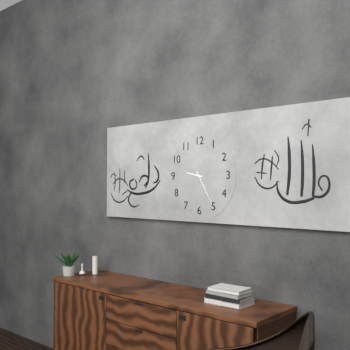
9:25
